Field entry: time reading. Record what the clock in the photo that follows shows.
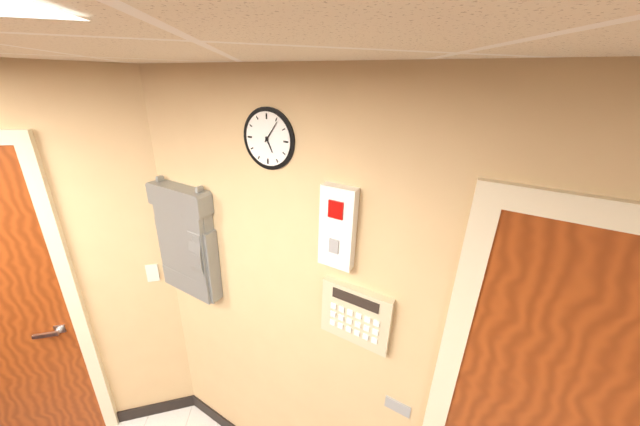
5:06
